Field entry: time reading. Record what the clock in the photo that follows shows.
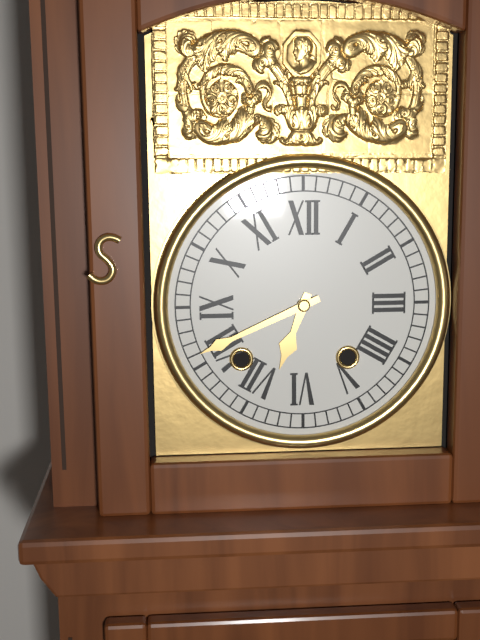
6:41
